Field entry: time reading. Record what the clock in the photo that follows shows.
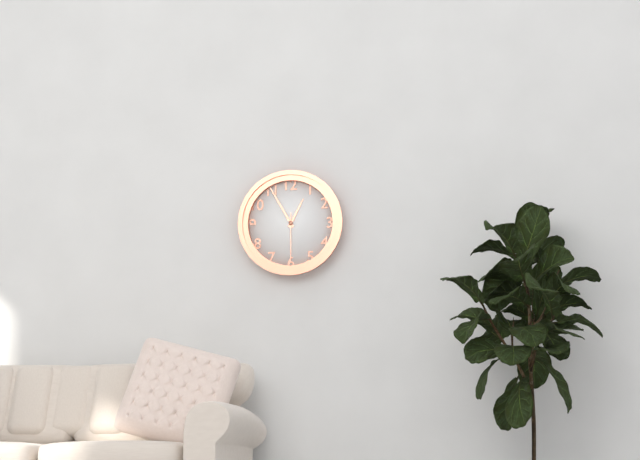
12:55
